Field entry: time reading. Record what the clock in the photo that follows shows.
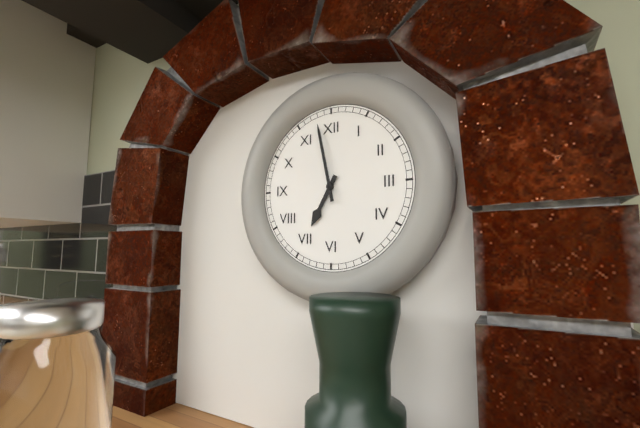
6:58
